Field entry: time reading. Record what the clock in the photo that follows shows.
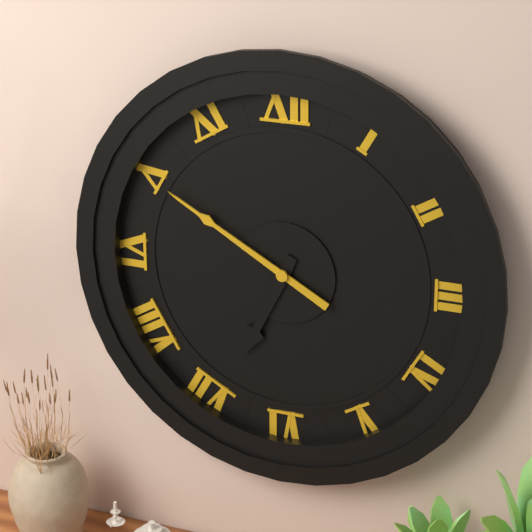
6:50
